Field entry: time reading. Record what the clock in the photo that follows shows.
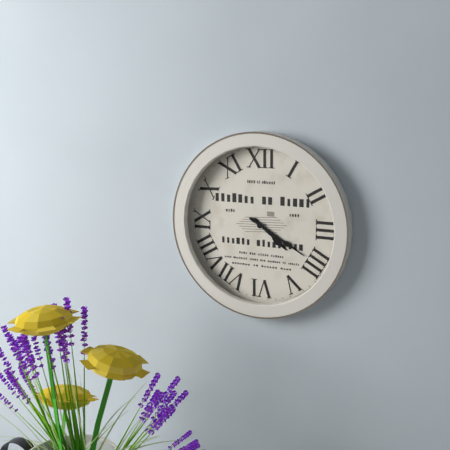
4:20
